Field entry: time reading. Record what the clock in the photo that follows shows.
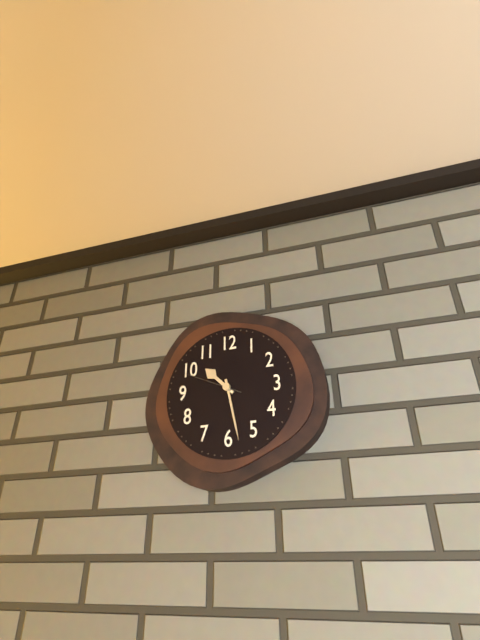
10:28:49
